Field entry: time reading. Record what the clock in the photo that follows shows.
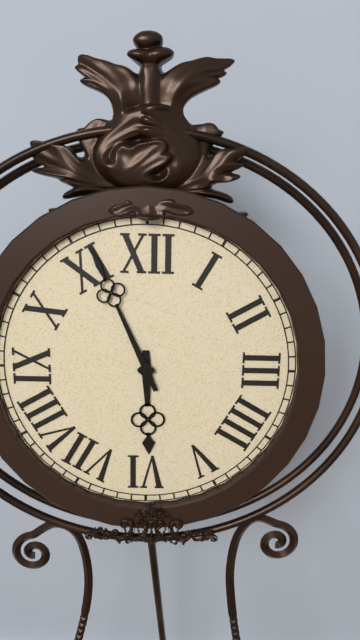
5:56
